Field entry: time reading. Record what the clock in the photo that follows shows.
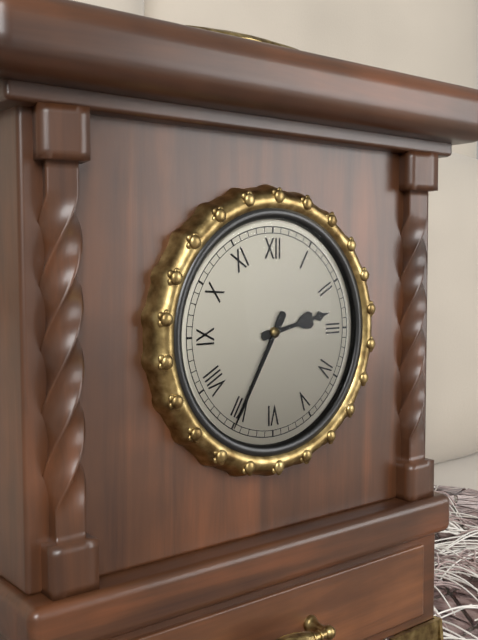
2:35
